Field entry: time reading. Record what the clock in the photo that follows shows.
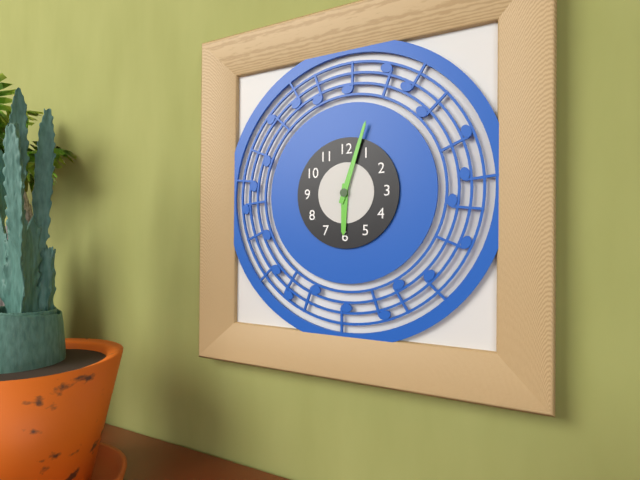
6:03
